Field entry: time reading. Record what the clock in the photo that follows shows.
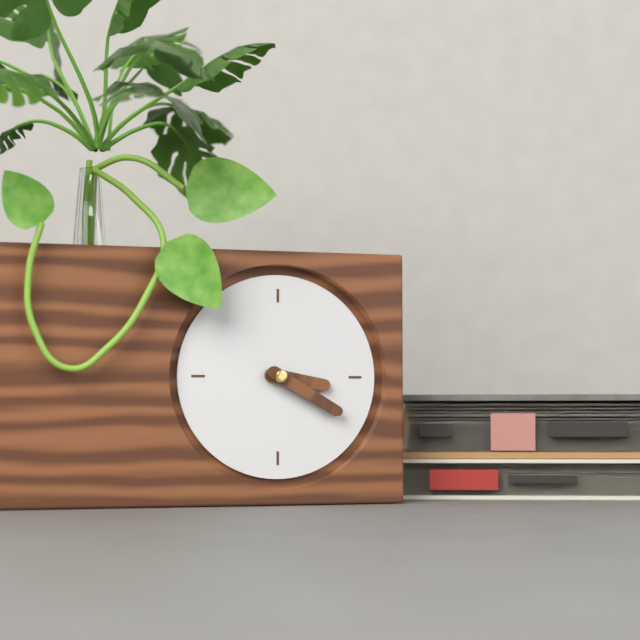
3:20
